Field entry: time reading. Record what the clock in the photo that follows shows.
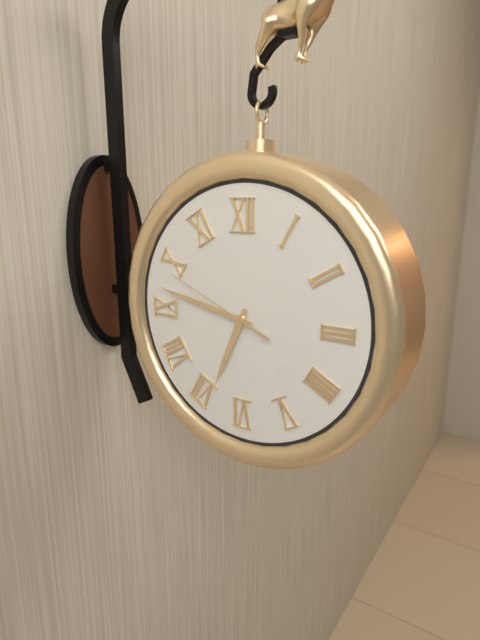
6:47:49
